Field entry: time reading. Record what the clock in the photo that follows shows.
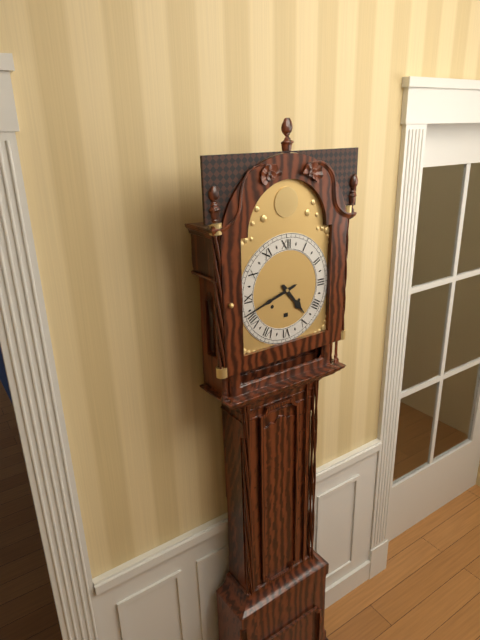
4:42
